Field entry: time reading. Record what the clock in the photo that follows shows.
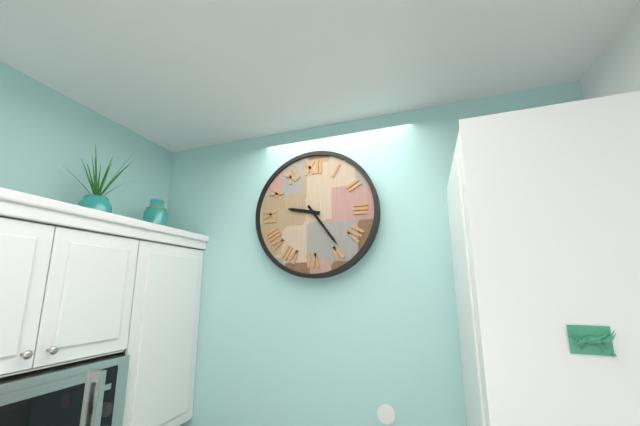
9:24
